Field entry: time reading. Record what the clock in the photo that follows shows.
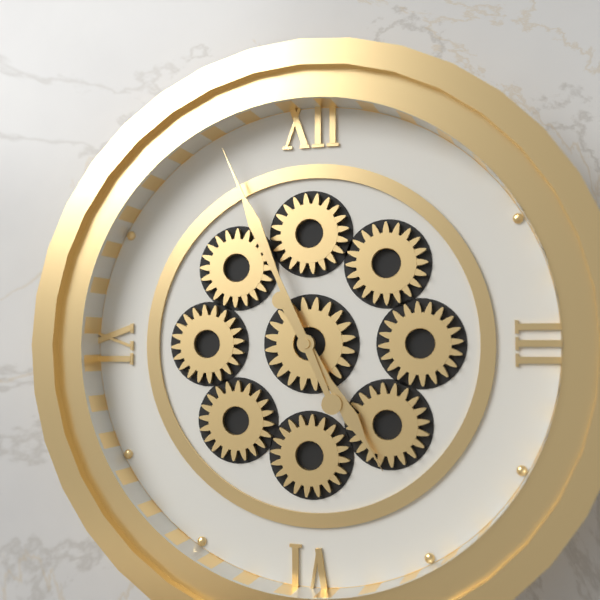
4:56
